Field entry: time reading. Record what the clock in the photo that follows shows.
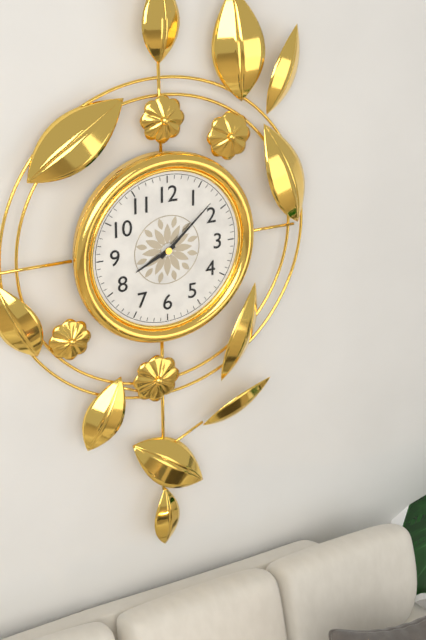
8:08
